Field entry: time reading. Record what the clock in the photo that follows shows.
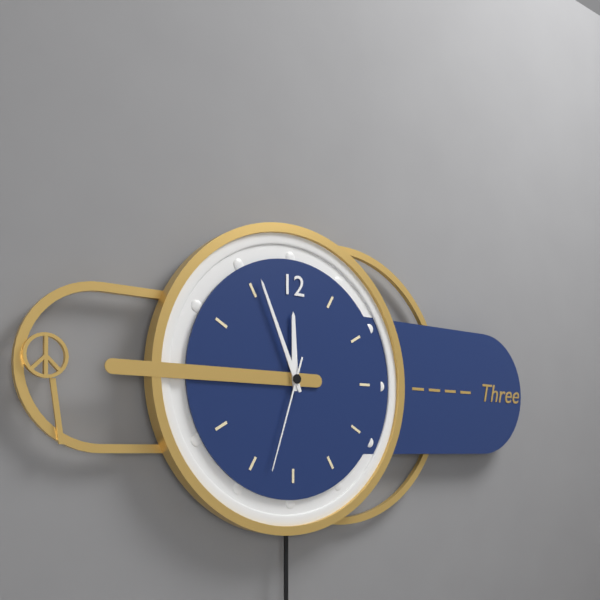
11:56:33
